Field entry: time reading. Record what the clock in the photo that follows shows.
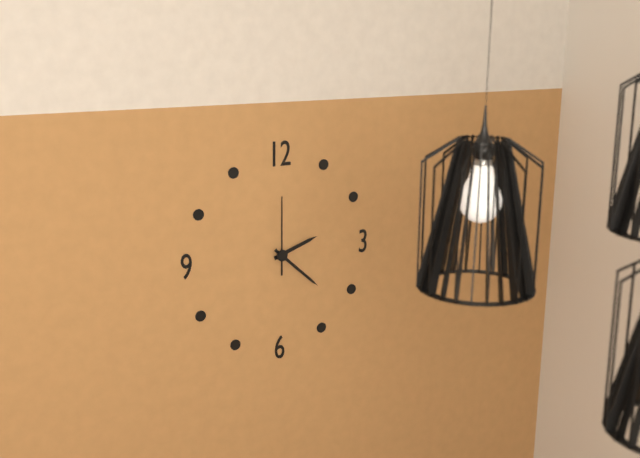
2:22:00
